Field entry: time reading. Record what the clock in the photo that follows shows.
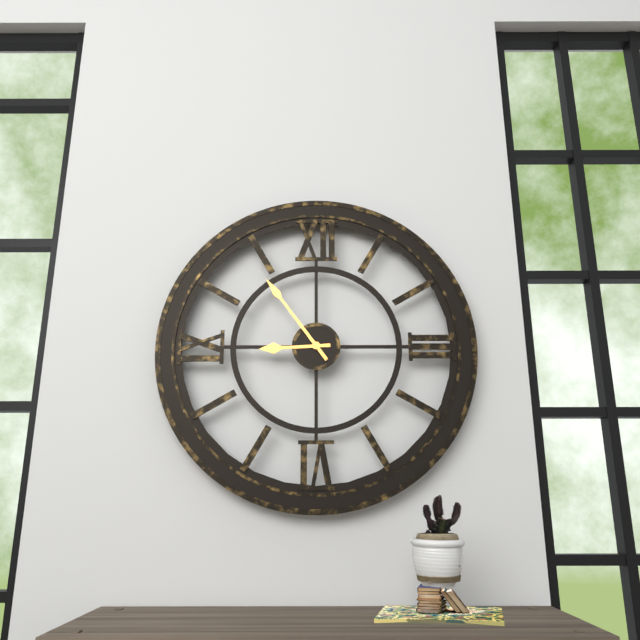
8:54
